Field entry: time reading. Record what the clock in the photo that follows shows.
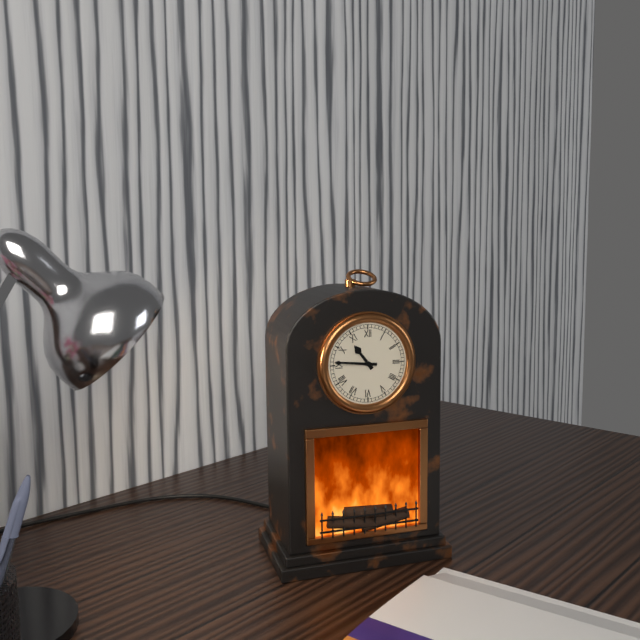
10:46
